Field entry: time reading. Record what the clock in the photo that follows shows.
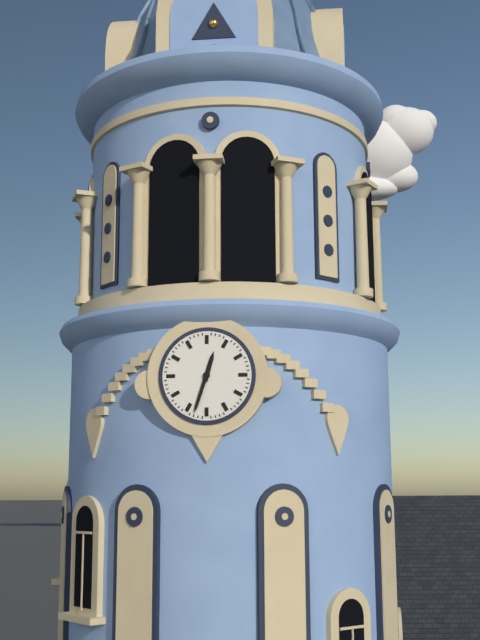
12:33
